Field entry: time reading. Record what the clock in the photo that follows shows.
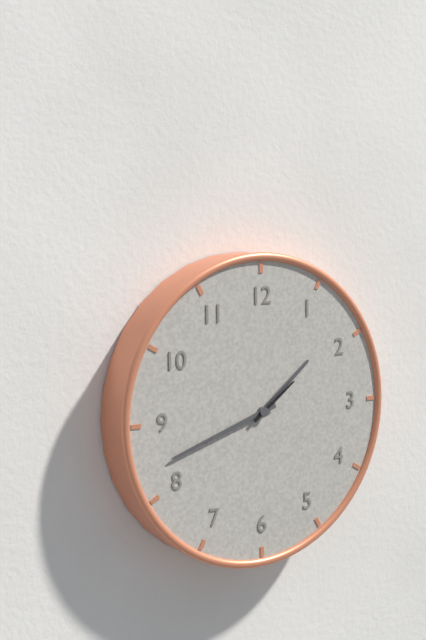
1:42:09
